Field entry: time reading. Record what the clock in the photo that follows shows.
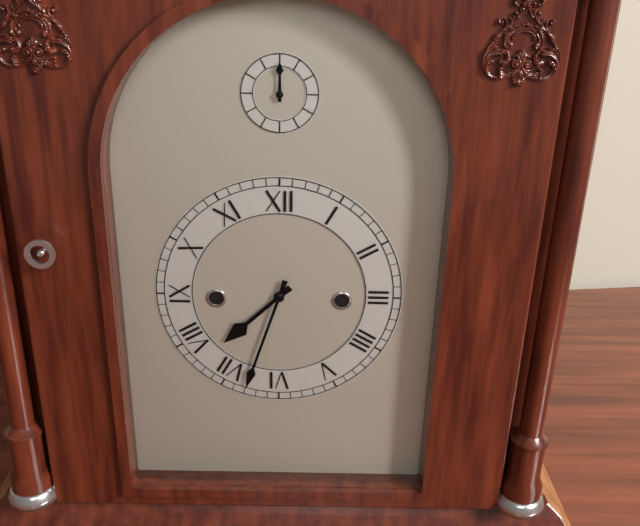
7:33
